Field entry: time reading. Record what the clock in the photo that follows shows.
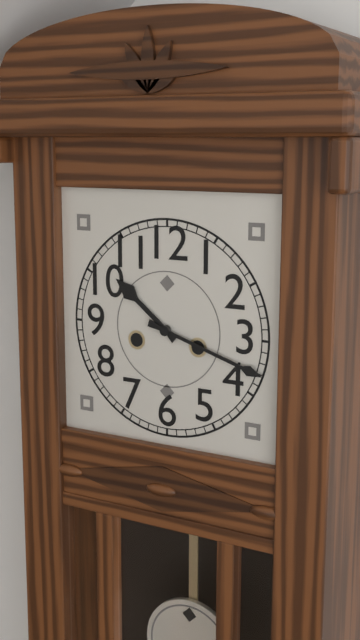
10:18
